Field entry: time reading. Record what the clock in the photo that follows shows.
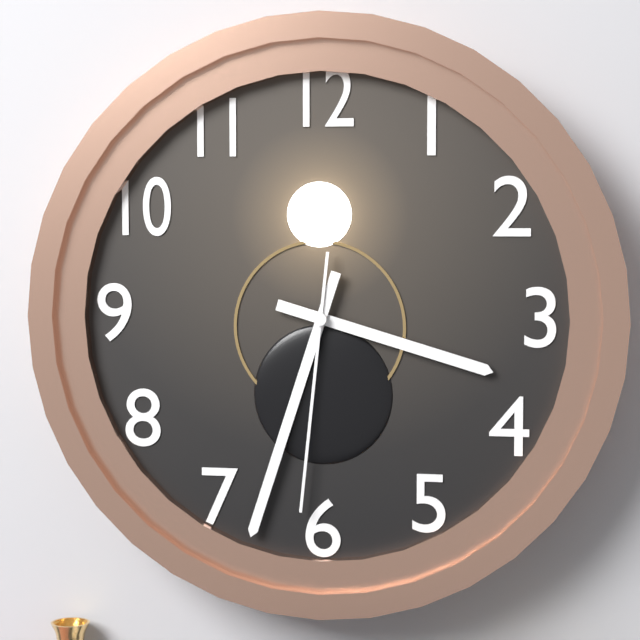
3:33:31
